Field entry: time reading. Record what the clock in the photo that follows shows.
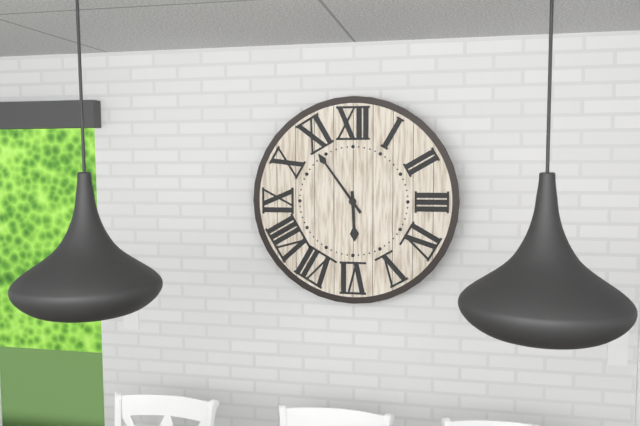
5:54
